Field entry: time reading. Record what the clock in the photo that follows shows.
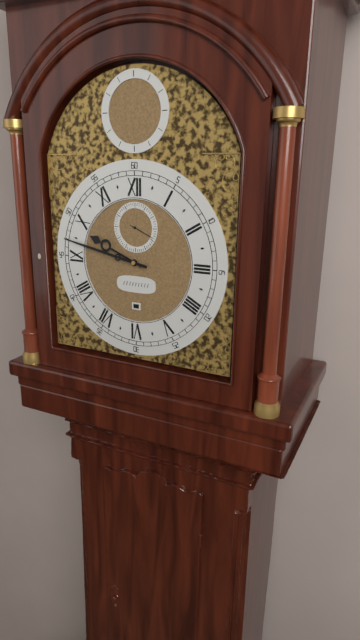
9:47
